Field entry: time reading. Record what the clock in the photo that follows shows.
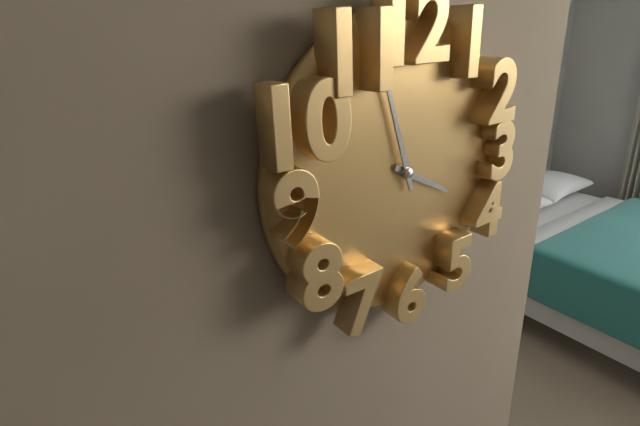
3:57
